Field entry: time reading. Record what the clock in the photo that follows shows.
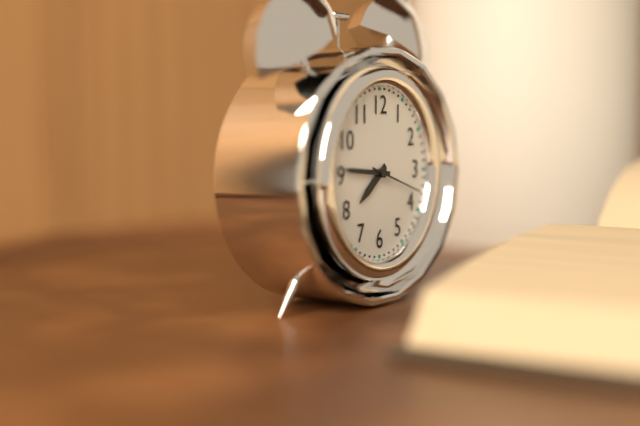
7:46:18
